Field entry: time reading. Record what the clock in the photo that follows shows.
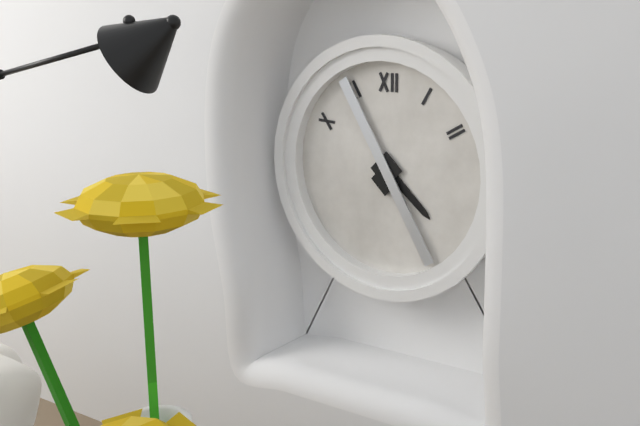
4:25
